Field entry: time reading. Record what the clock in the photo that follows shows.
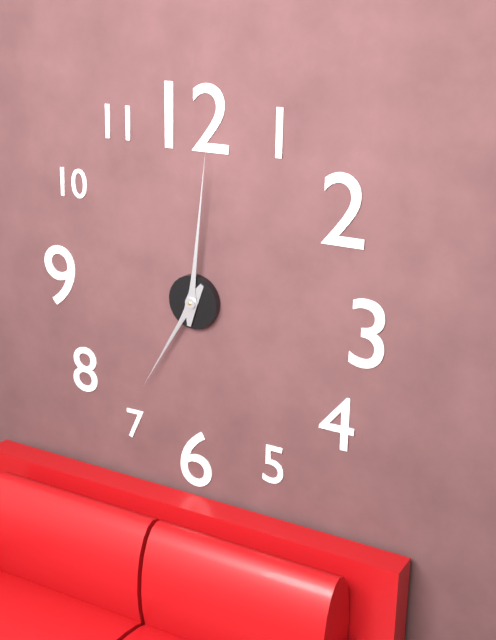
7:01
